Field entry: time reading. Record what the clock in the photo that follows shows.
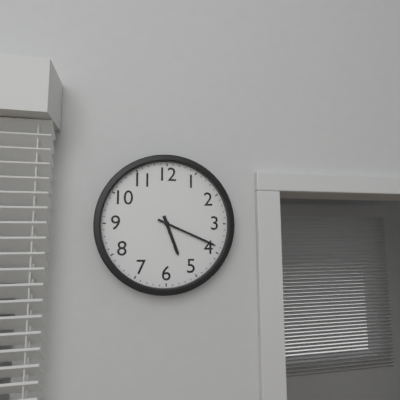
5:19
